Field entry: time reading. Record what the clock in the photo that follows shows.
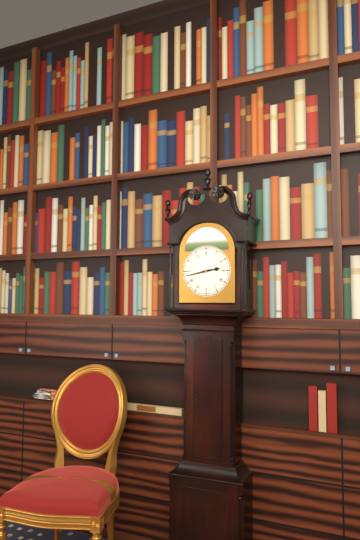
2:43
